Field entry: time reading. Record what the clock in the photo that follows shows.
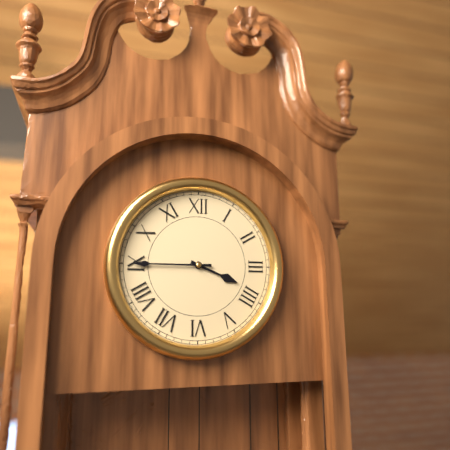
3:45
